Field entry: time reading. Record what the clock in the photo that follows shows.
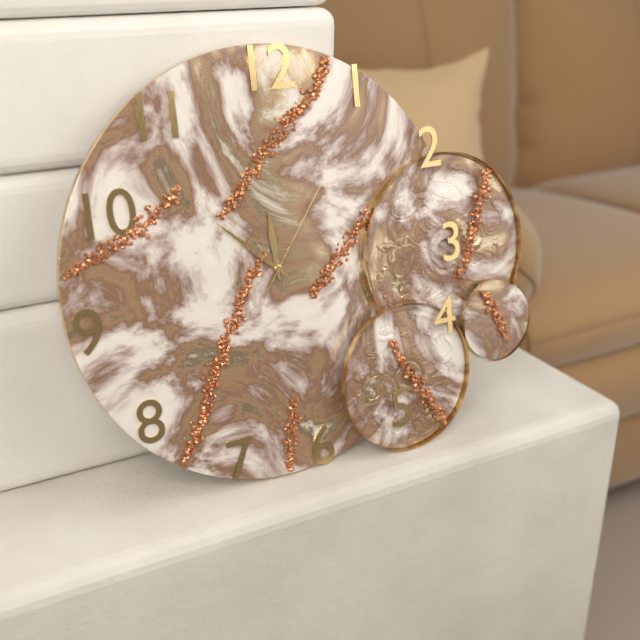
11:52:06
